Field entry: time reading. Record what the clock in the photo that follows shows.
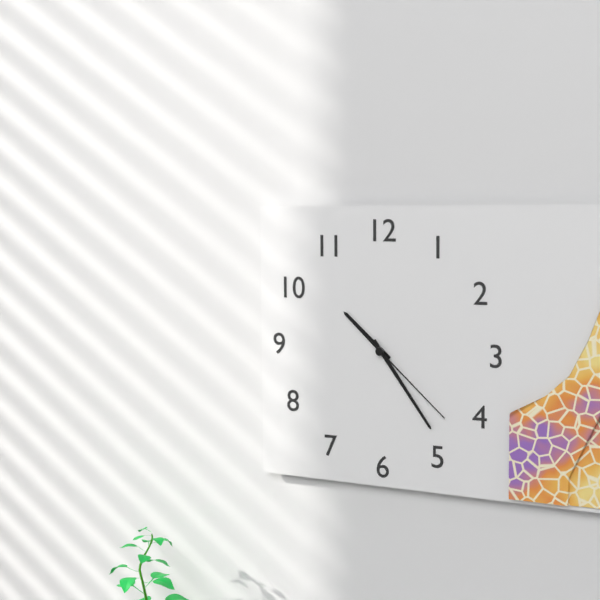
10:24:22
